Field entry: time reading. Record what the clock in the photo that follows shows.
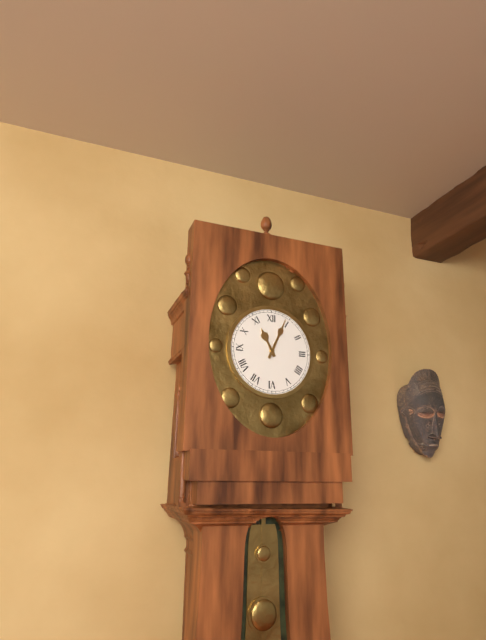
11:04
